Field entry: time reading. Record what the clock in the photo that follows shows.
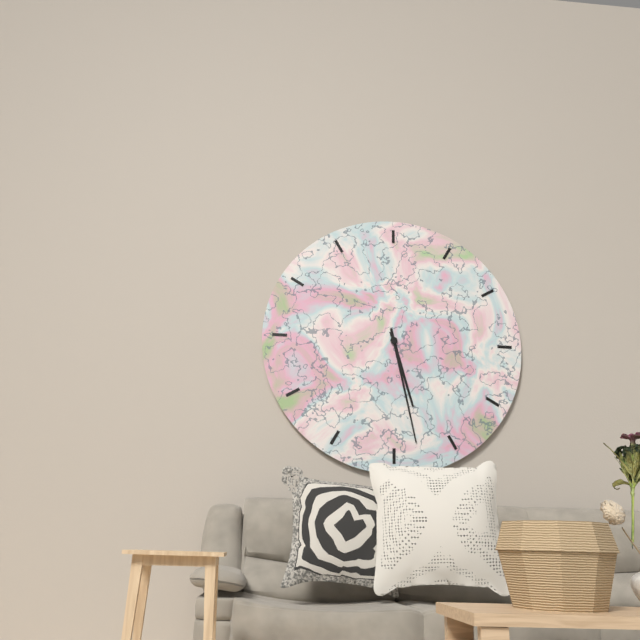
5:28
